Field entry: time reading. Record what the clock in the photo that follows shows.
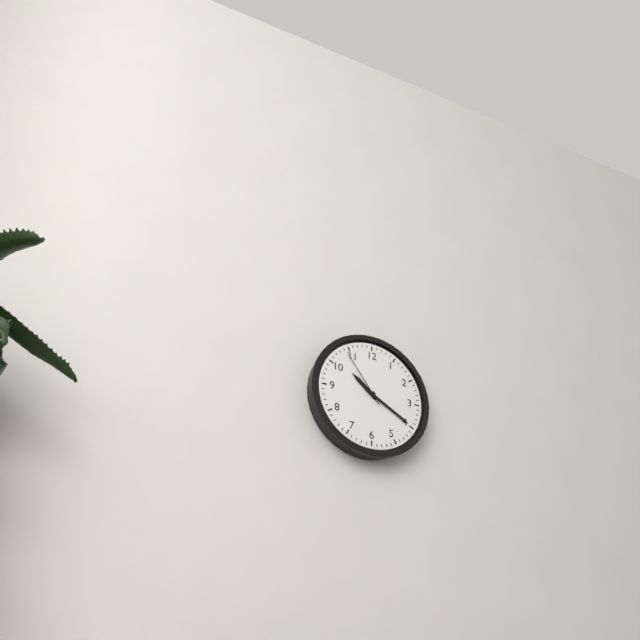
10:20:54
